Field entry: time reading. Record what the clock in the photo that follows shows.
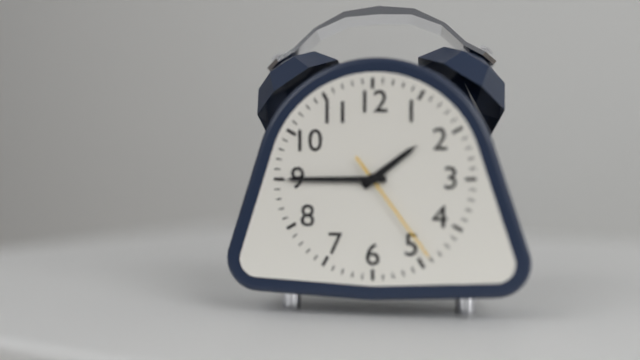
1:45:24
